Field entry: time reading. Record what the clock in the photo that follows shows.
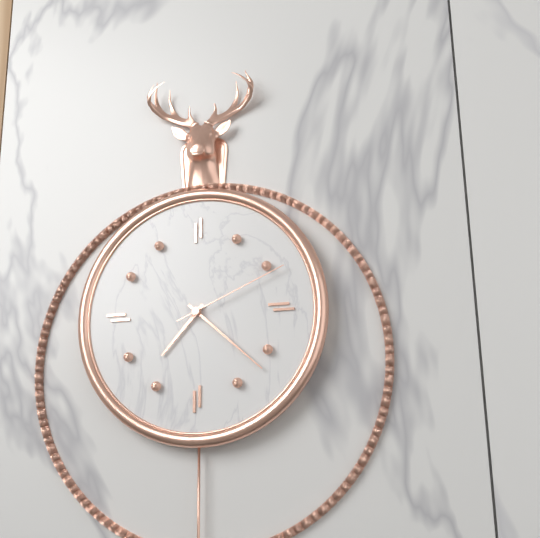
7:22:11
